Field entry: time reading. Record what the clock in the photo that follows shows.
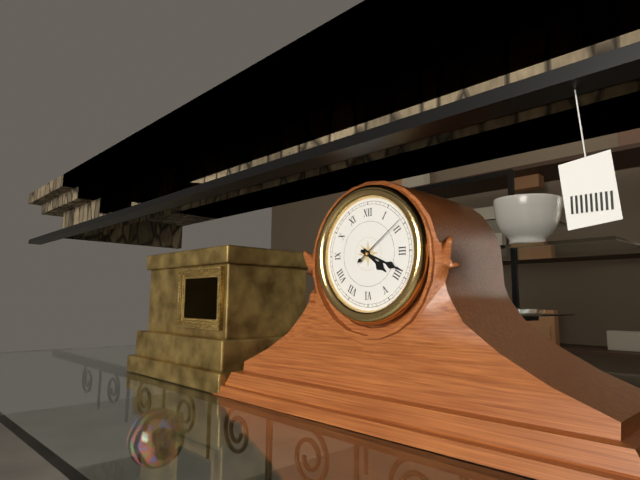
4:19:09
